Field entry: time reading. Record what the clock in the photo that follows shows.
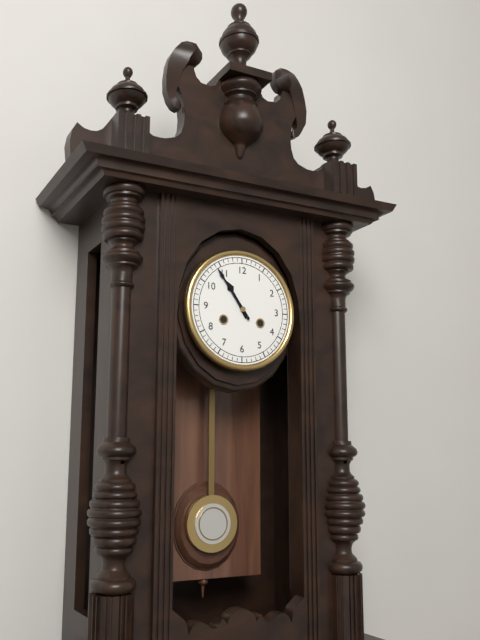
10:54
